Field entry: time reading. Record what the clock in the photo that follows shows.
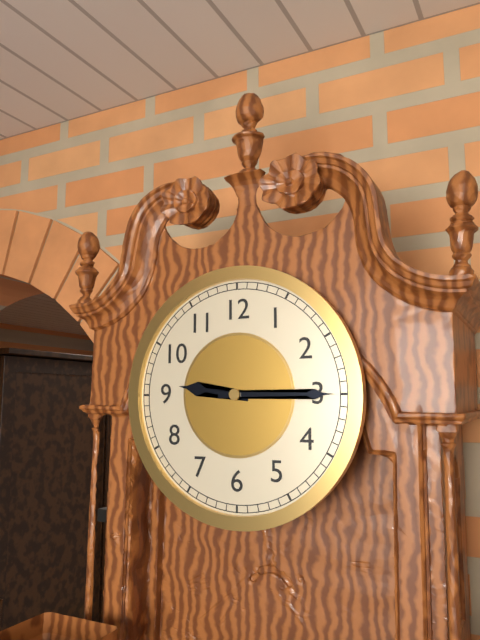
9:15
